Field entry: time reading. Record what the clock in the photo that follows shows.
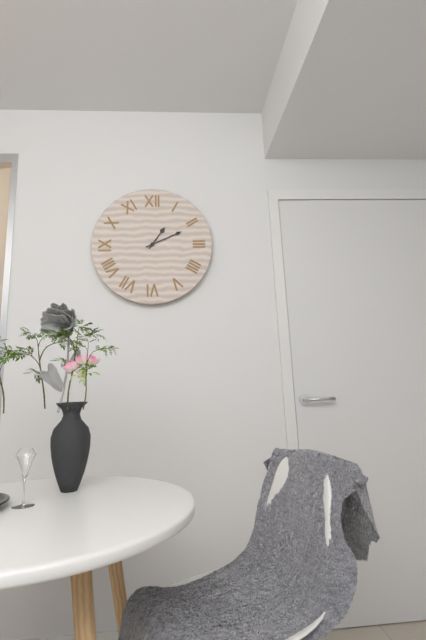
1:11
